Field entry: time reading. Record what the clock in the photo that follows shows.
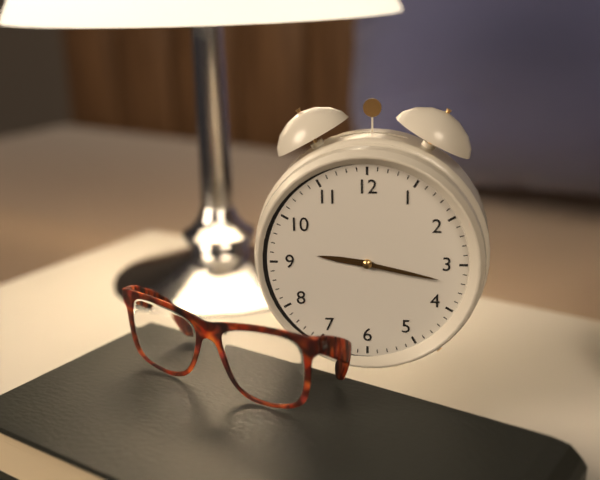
9:17
